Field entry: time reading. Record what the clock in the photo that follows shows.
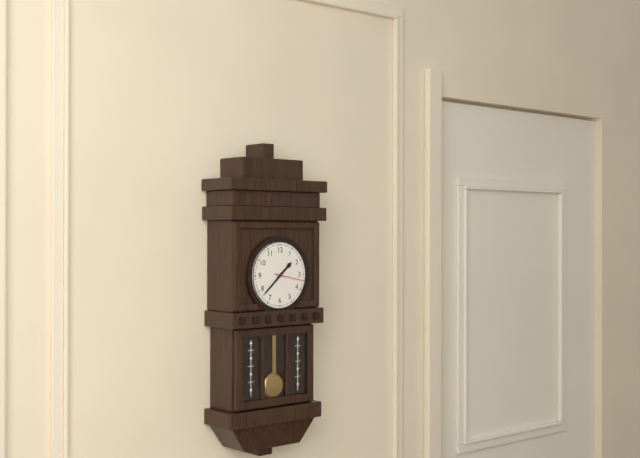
1:38
